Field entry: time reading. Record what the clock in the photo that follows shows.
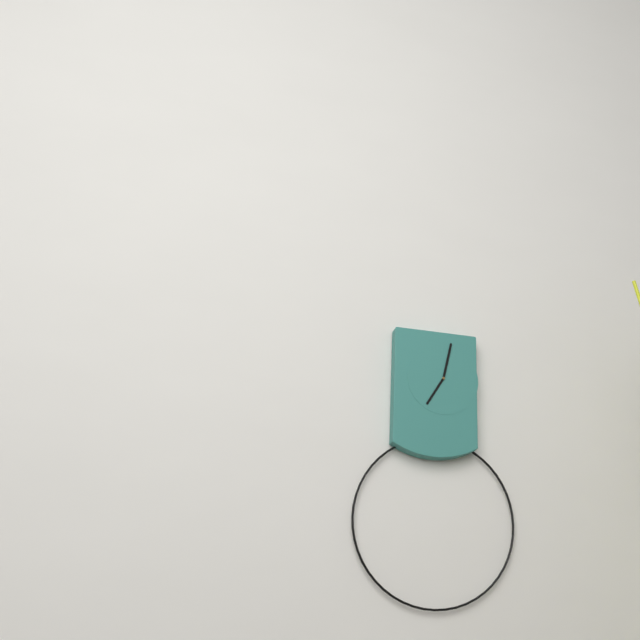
7:02
